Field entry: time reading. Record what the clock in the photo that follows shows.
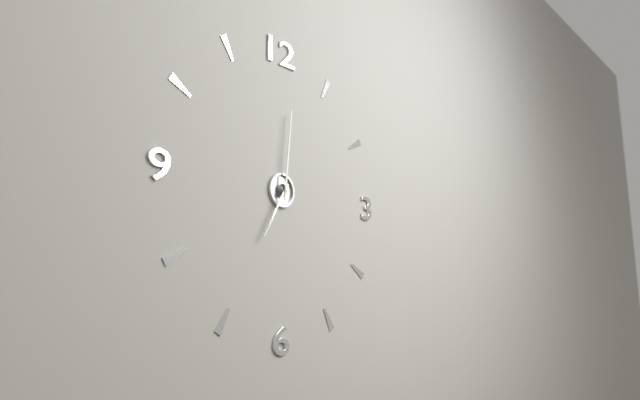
7:01
